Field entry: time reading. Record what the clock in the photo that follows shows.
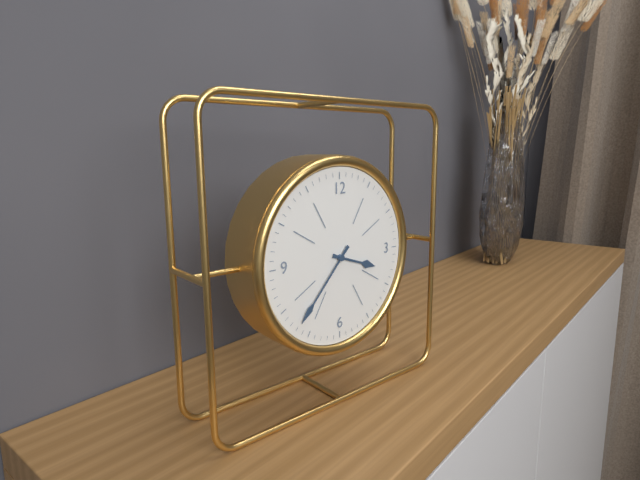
3:37
